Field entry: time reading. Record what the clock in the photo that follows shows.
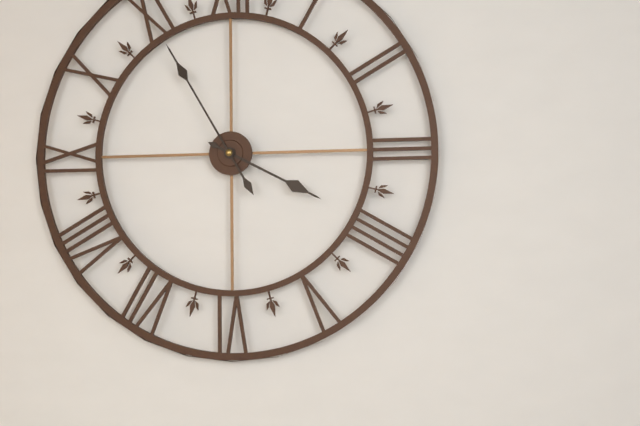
3:55
